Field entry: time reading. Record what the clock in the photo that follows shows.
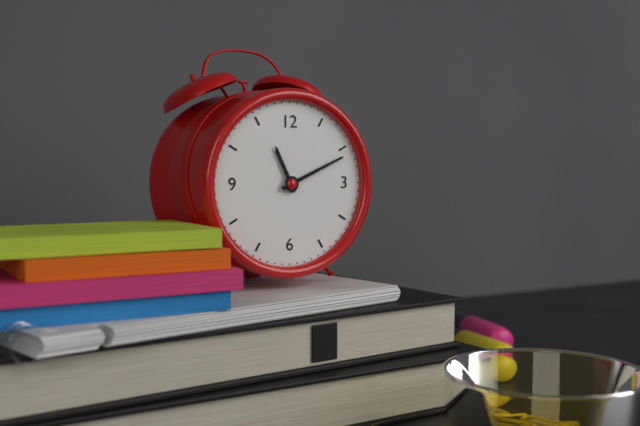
11:11
